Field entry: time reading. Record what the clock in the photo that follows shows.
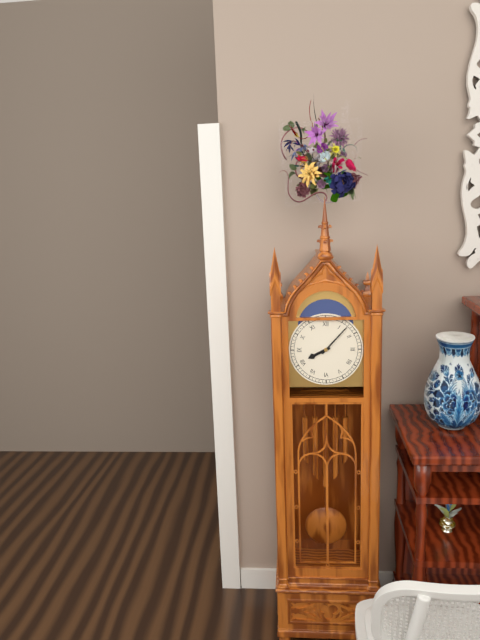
8:07
